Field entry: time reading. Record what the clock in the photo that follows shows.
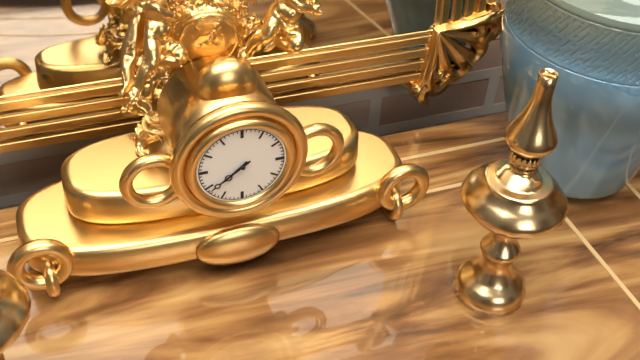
7:39
